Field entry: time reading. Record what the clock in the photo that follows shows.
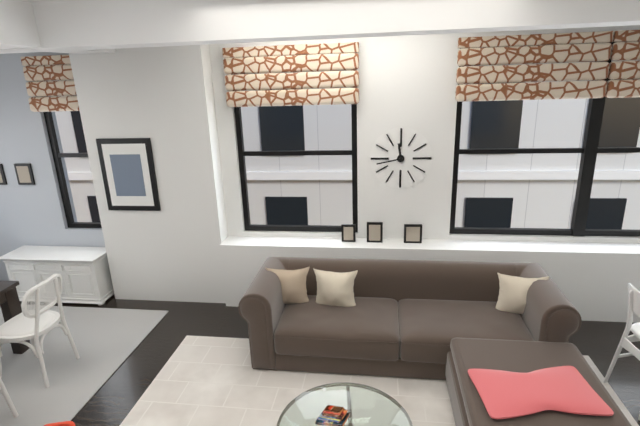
11:43
